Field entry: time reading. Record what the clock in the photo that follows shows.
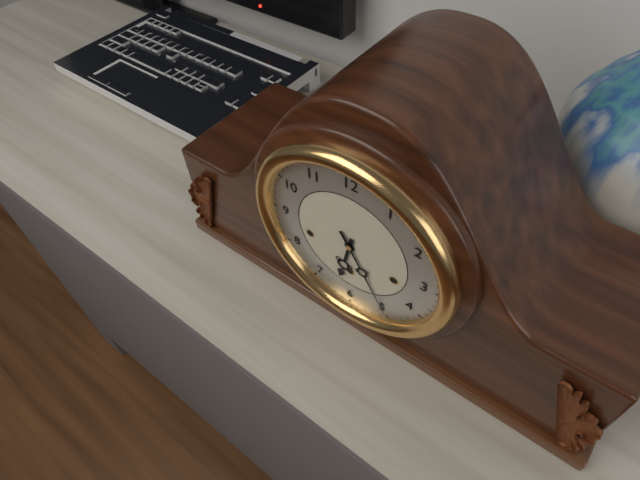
6:25
